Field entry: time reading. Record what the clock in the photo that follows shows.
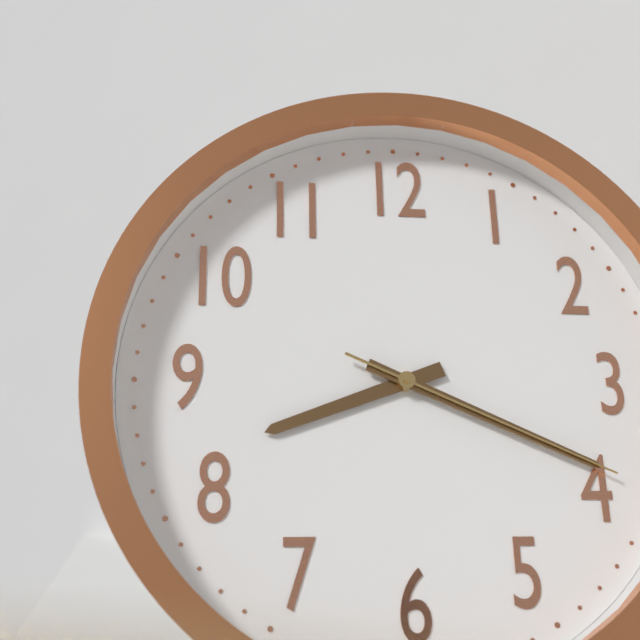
8:19:19
